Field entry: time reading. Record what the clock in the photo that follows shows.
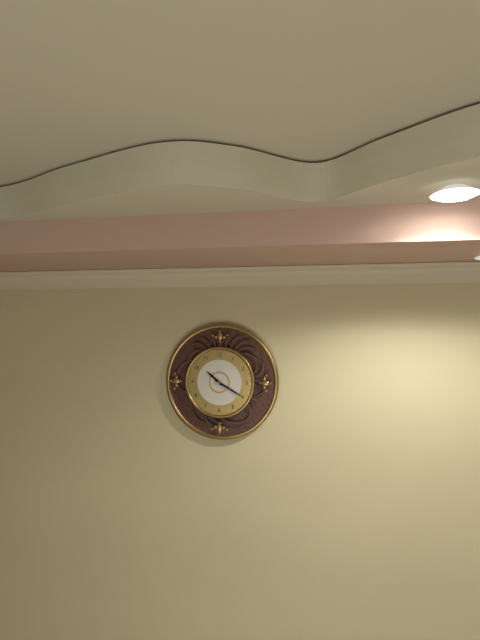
10:20
